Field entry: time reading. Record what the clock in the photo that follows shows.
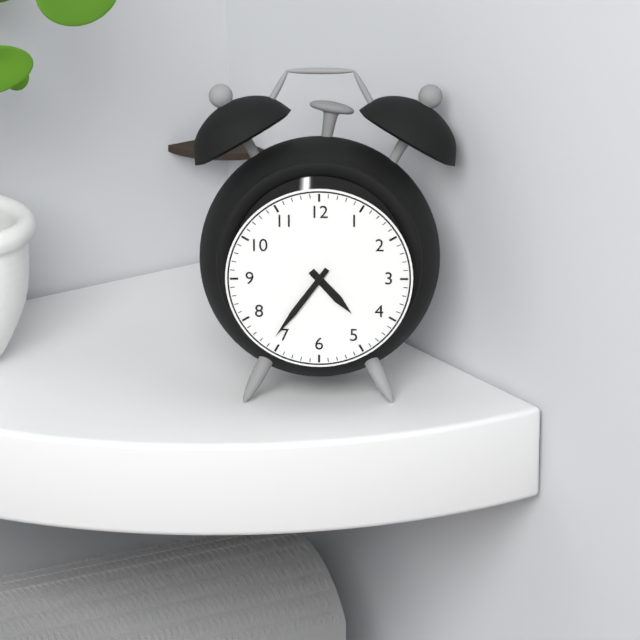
4:36
